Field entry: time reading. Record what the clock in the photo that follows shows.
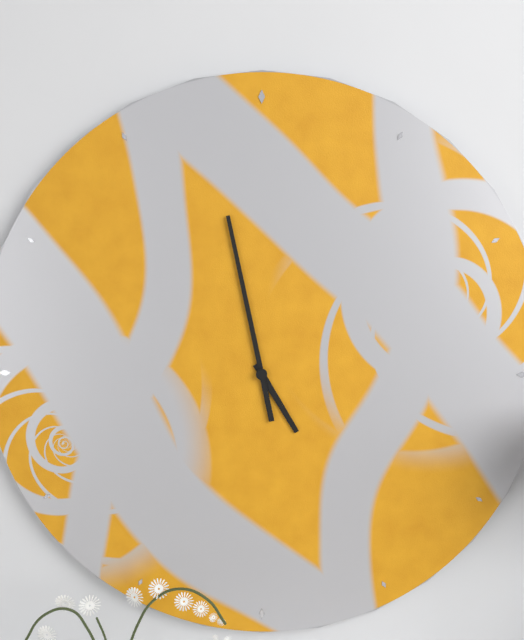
4:58
